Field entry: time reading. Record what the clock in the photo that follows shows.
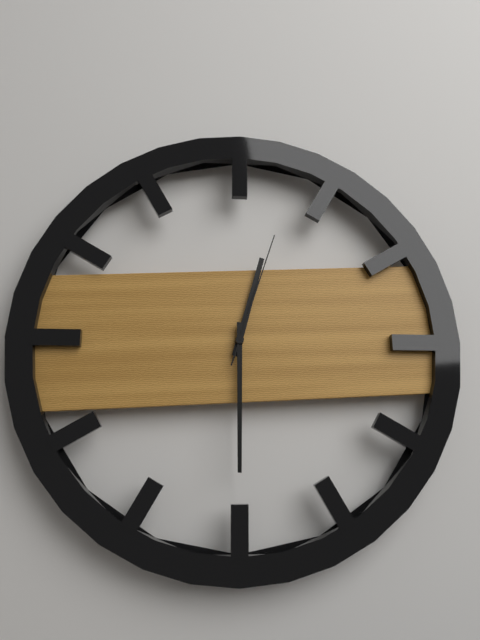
12:30:03
